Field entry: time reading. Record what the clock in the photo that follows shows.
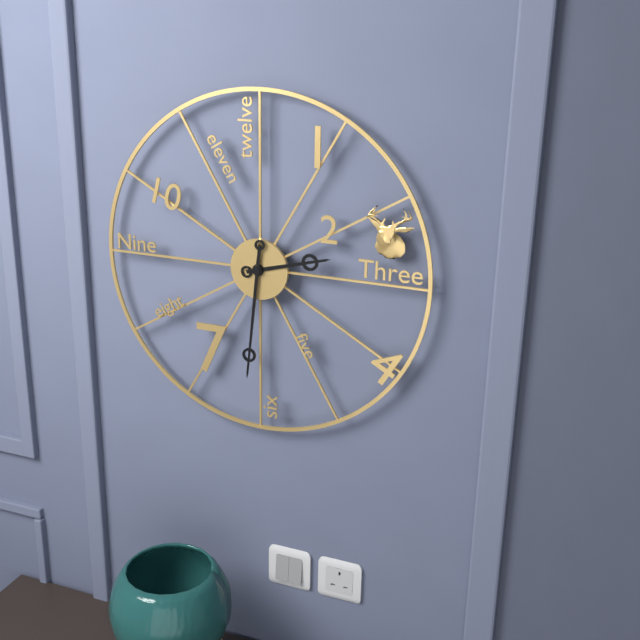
2:31
